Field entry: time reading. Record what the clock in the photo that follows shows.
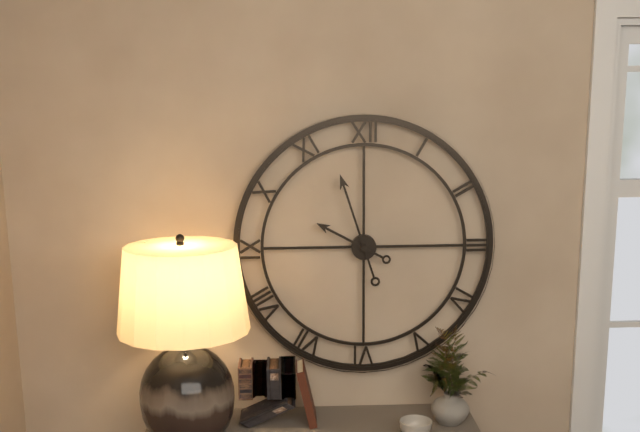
9:57
